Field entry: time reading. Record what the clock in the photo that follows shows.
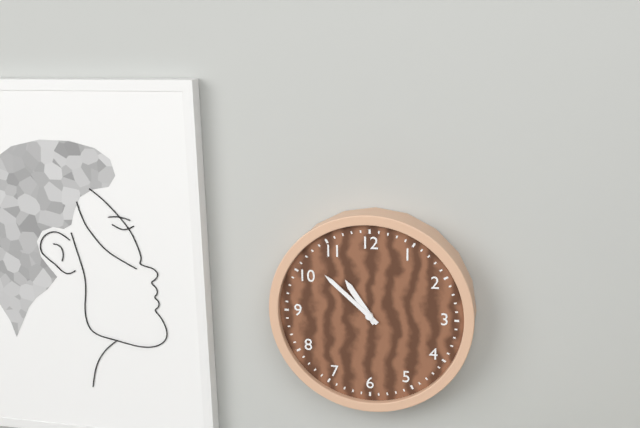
10:52
